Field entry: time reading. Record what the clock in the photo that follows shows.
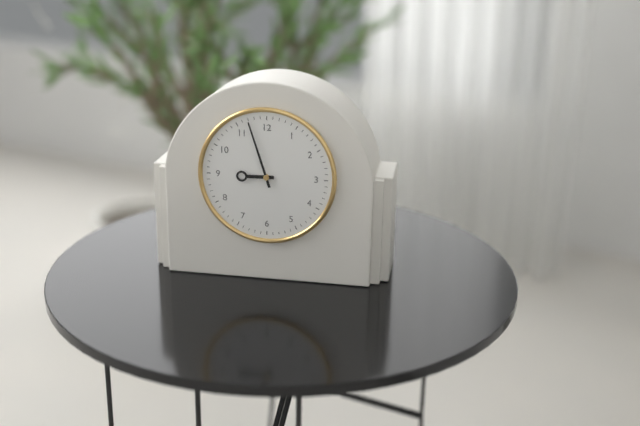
8:57
